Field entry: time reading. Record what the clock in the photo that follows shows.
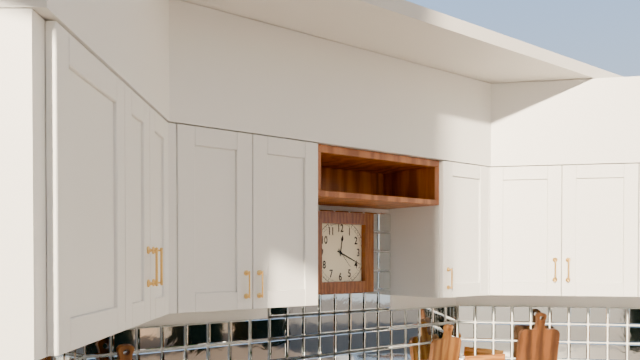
12:19
